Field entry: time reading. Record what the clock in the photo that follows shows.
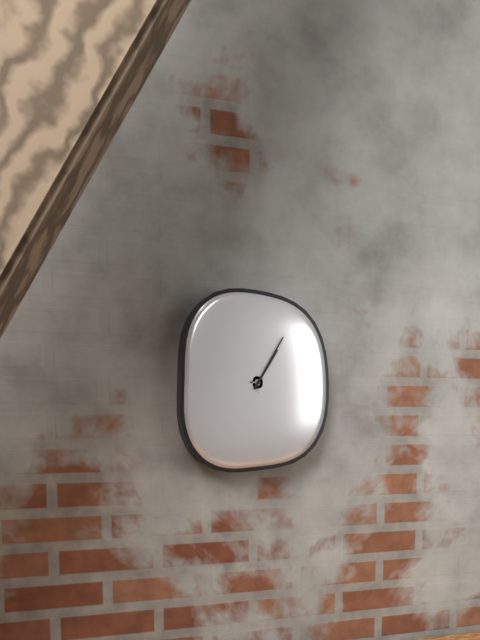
1:05
